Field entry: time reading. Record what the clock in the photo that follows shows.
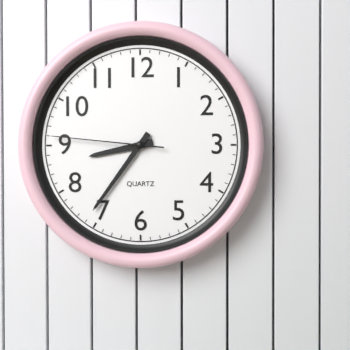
8:36:46
